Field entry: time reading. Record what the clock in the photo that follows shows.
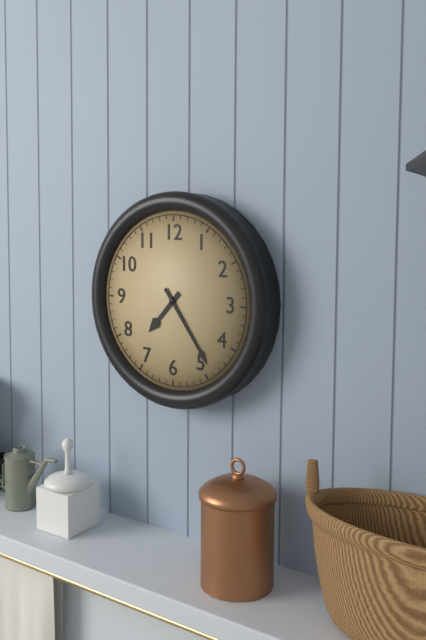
7:24
